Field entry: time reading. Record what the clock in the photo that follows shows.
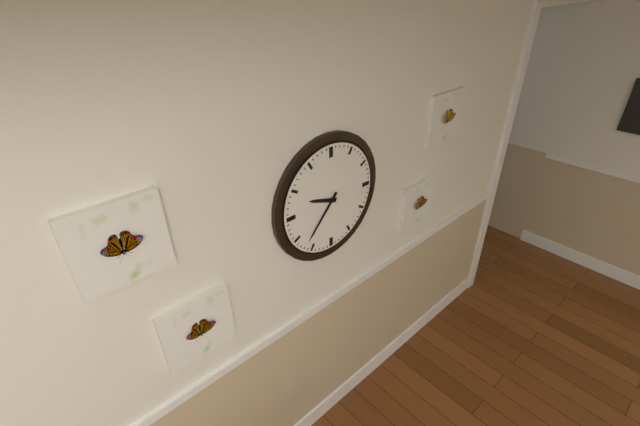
9:37
